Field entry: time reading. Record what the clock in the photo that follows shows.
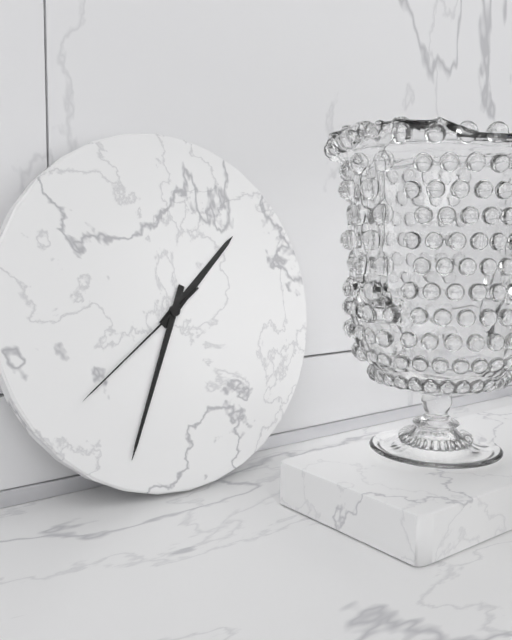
1:34:39
